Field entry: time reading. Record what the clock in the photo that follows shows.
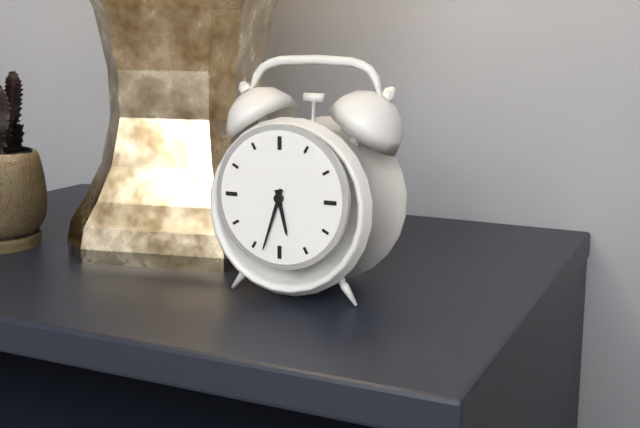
5:33
